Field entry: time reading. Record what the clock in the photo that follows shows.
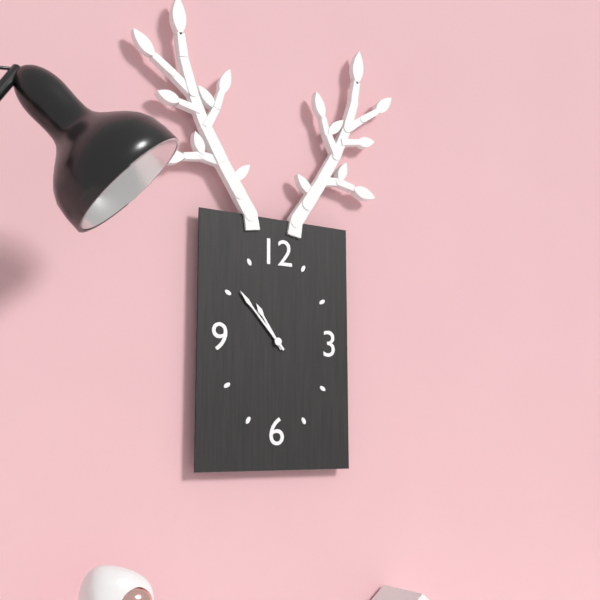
10:53
